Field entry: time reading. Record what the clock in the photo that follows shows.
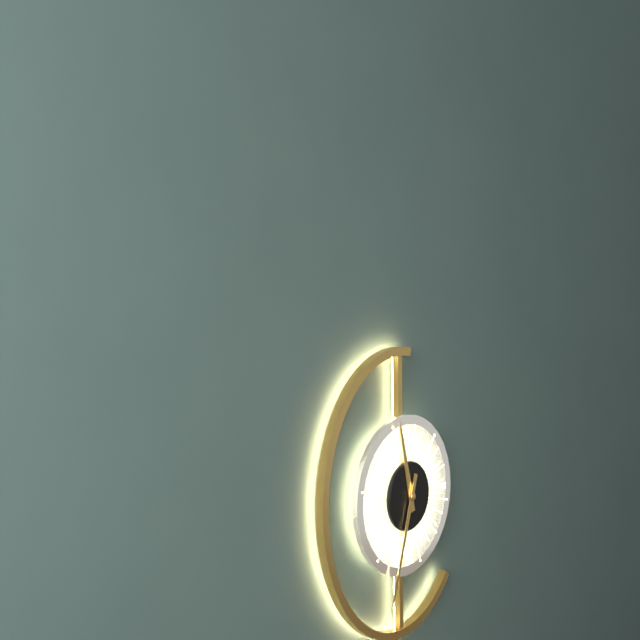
11:33
